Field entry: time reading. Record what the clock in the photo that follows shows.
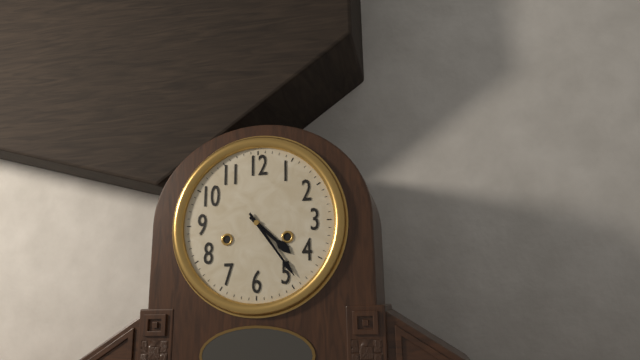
4:24
